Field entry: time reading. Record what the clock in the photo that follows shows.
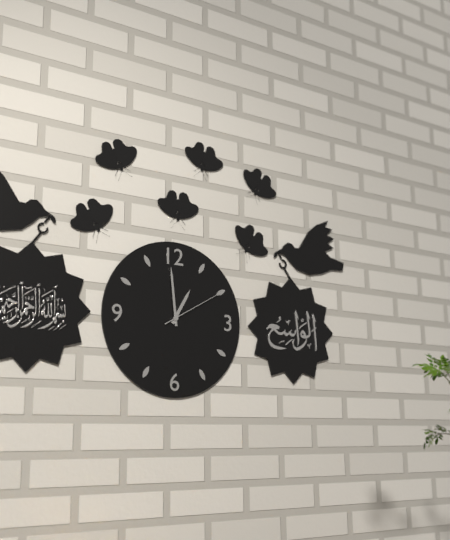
12:59:10
